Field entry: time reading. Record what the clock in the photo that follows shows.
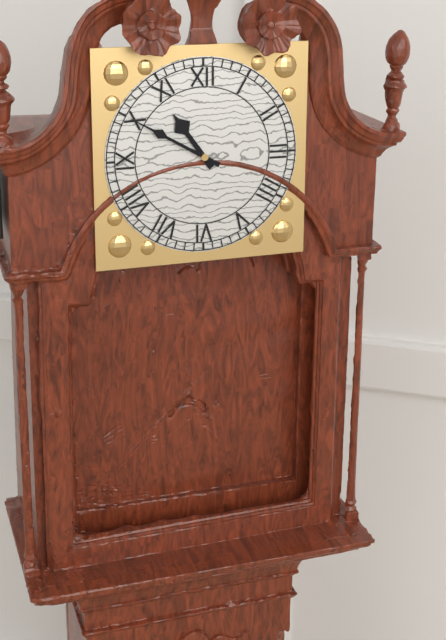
10:50
